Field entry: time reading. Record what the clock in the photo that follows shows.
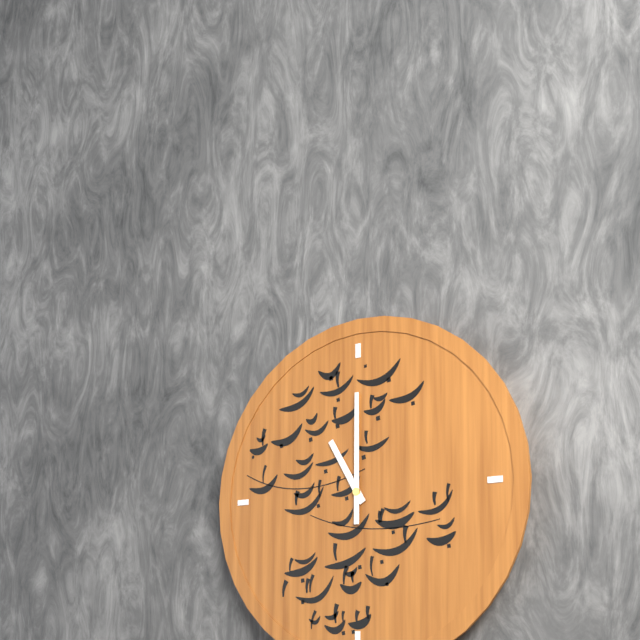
11:00
